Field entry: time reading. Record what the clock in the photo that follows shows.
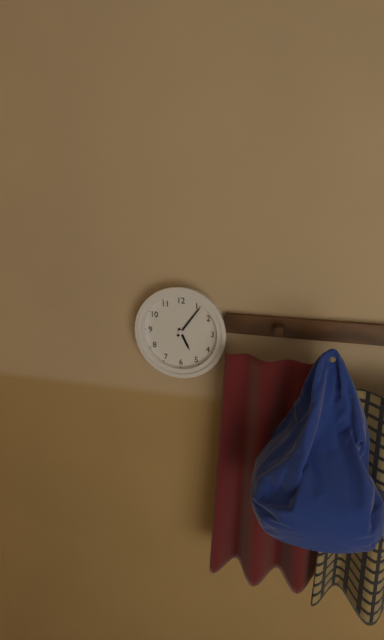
5:06
